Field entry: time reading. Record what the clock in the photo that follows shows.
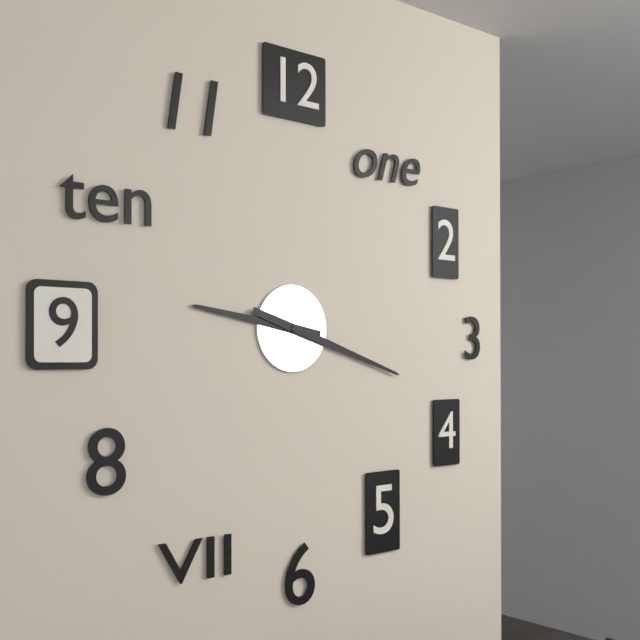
9:18
